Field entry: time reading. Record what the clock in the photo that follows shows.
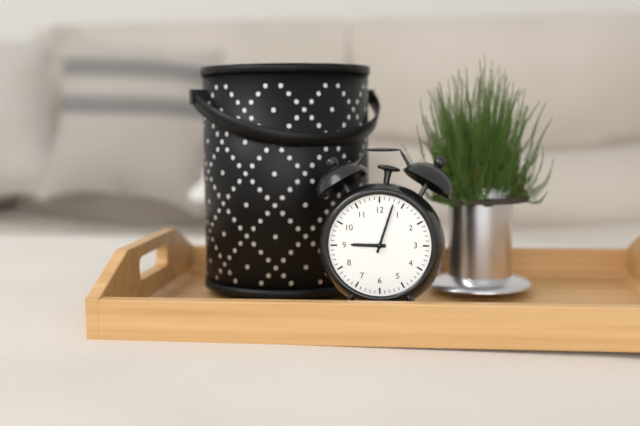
9:03
